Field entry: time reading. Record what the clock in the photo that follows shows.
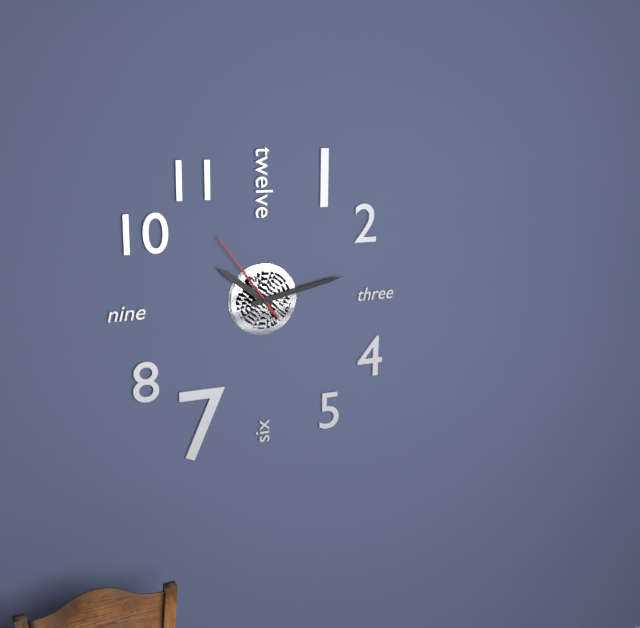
10:13:54
